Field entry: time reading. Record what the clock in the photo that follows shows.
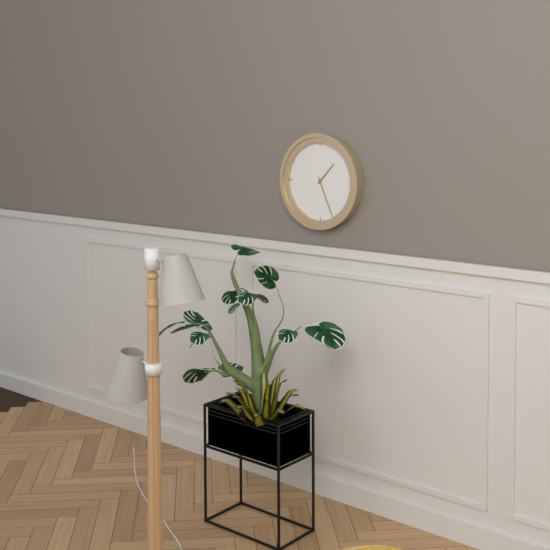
1:26
